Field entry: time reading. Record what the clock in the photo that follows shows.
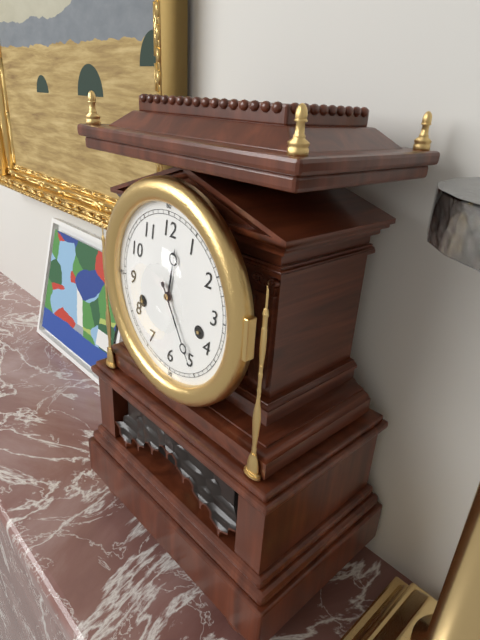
12:25
